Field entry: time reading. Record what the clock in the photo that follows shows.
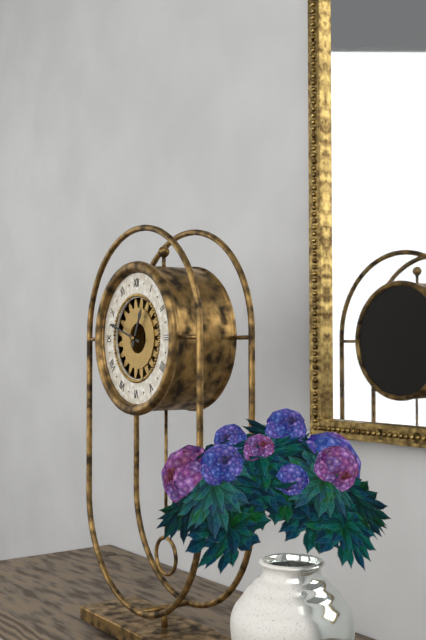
12:48
